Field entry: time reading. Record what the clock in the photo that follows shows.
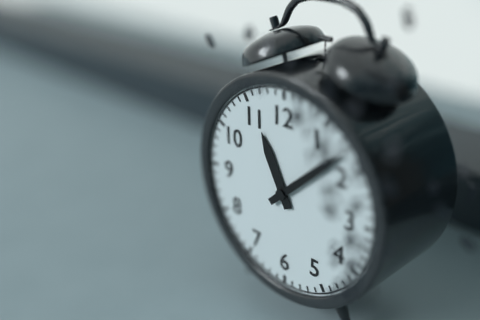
11:08
